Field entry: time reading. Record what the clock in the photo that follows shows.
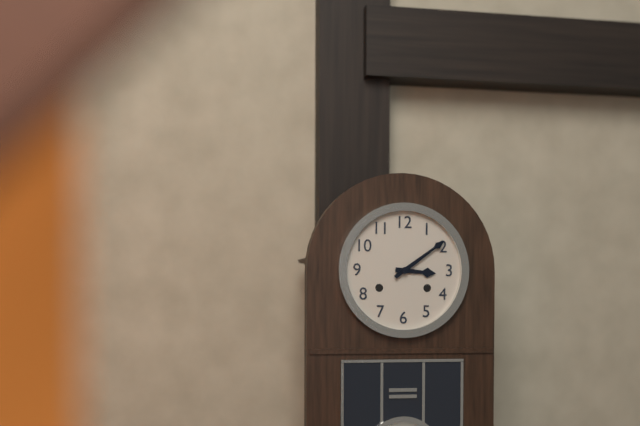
3:09
